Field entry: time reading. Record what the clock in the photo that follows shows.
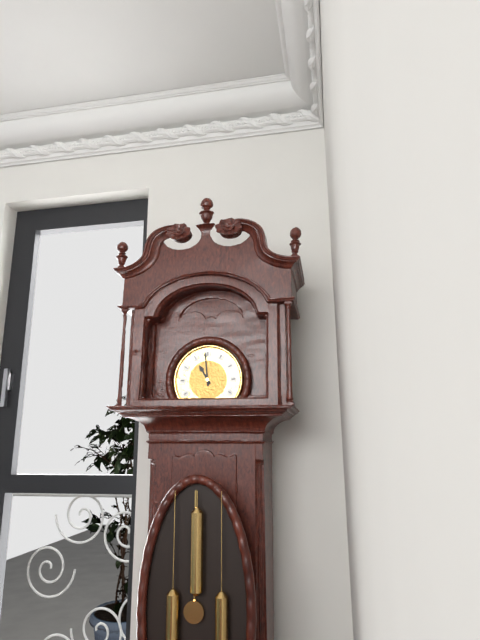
10:59
